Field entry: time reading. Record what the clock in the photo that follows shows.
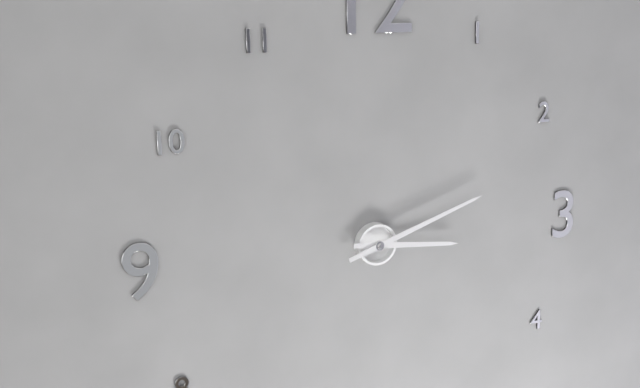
3:12
